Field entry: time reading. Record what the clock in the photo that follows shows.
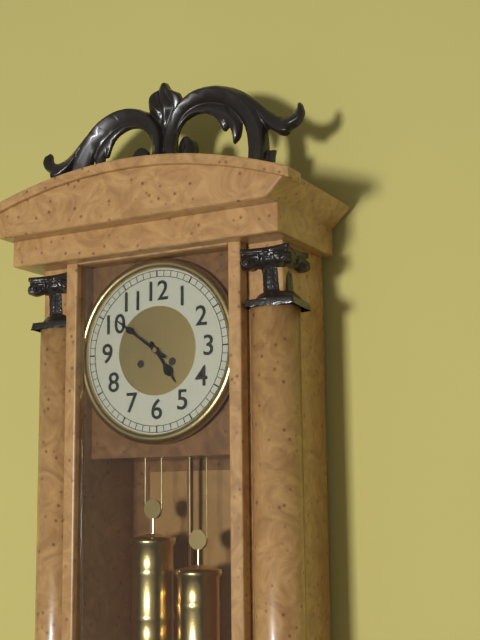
4:51
